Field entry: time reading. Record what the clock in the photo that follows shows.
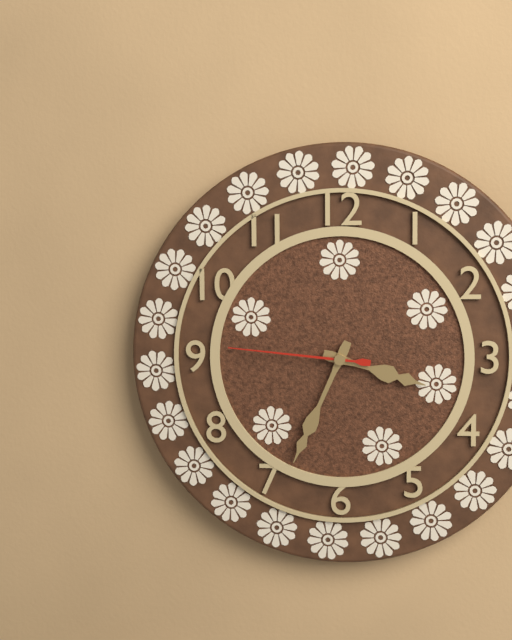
3:34:46
